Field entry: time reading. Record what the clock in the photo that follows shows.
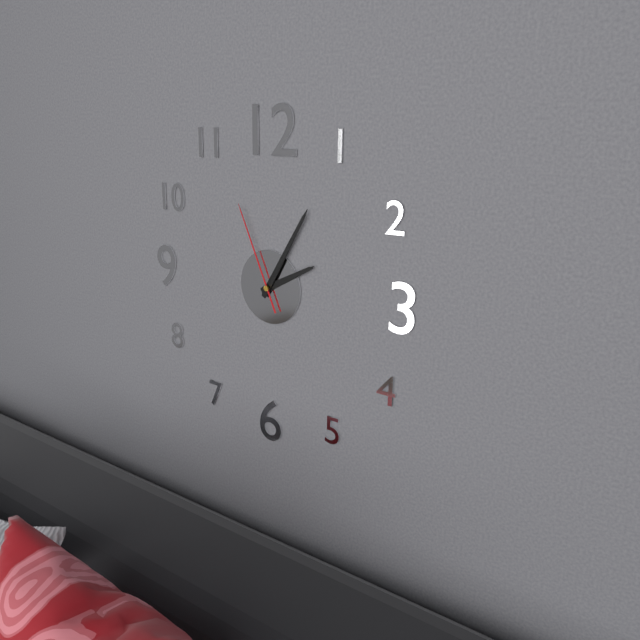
2:05:56
